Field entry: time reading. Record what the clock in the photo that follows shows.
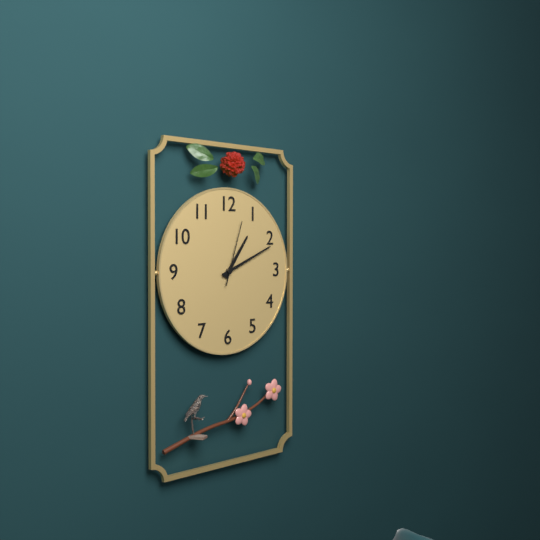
1:11:03
